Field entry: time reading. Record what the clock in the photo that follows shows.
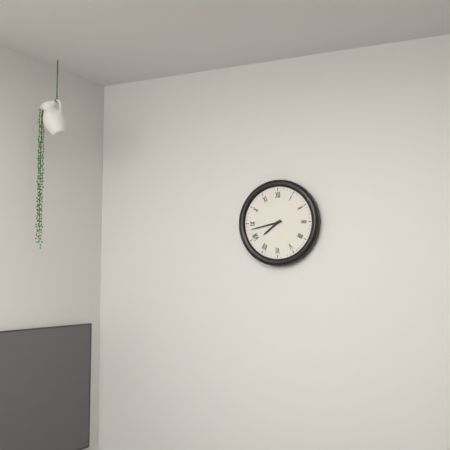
7:43
